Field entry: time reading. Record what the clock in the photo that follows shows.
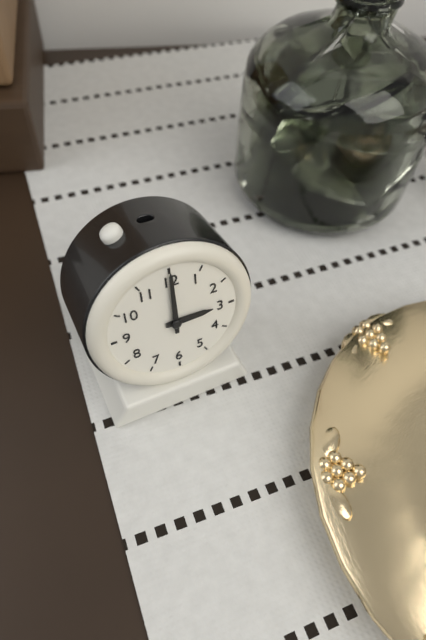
3:00
